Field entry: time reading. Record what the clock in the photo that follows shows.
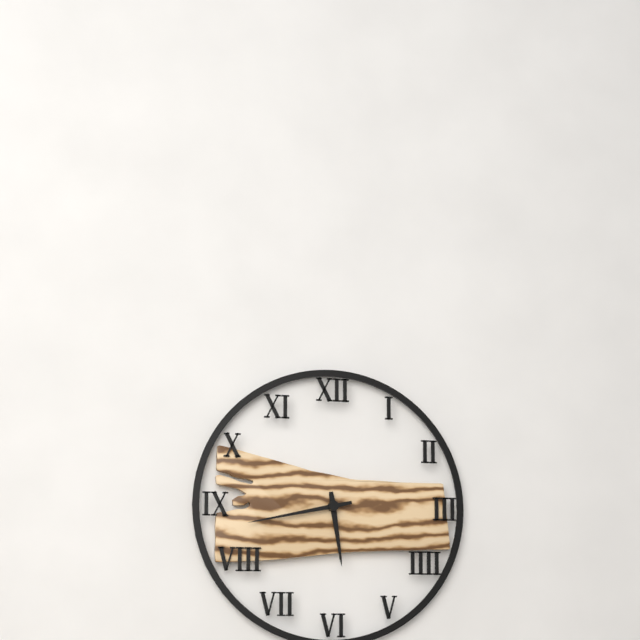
5:43
